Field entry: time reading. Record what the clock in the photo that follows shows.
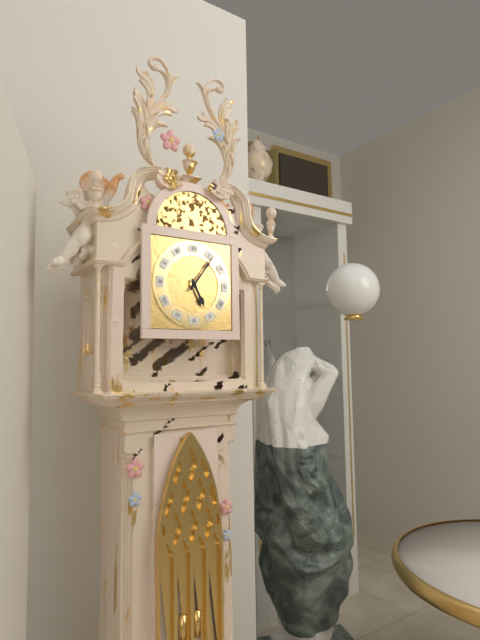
5:06
